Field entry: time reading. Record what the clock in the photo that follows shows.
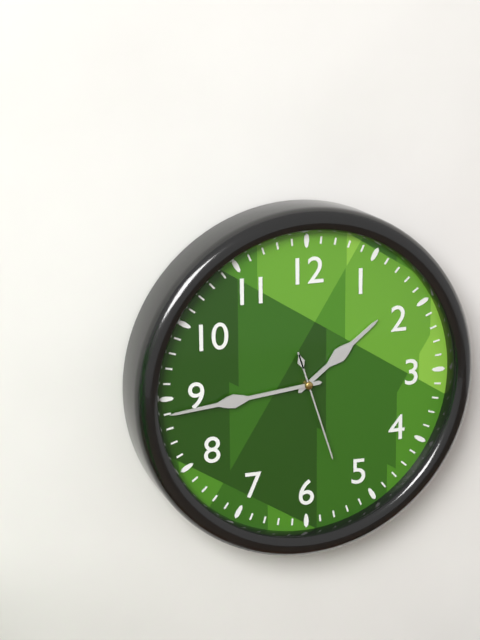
1:44:27
